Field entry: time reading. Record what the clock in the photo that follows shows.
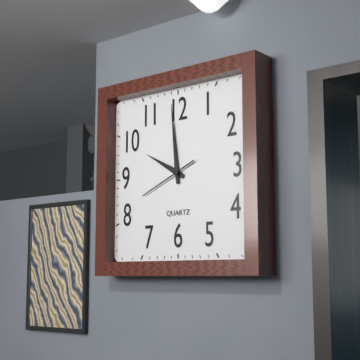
9:59:41
